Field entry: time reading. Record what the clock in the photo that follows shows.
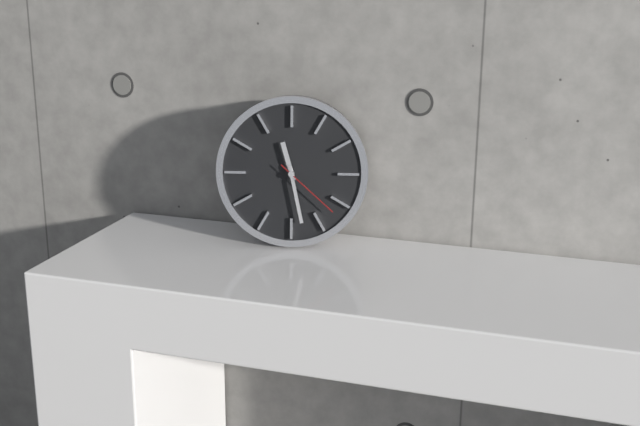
11:28:22
